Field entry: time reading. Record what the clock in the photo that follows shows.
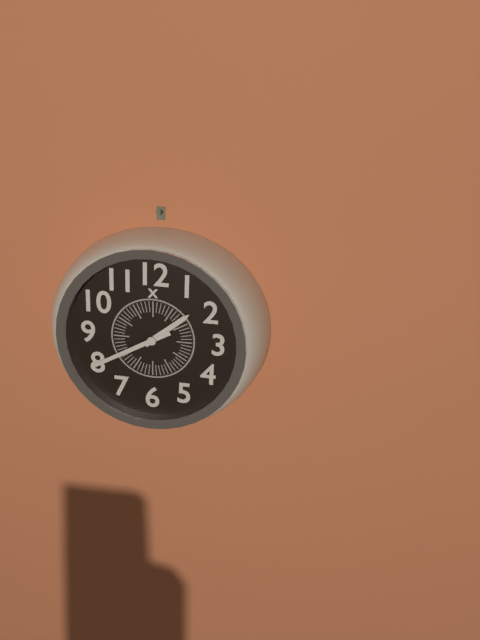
1:40
